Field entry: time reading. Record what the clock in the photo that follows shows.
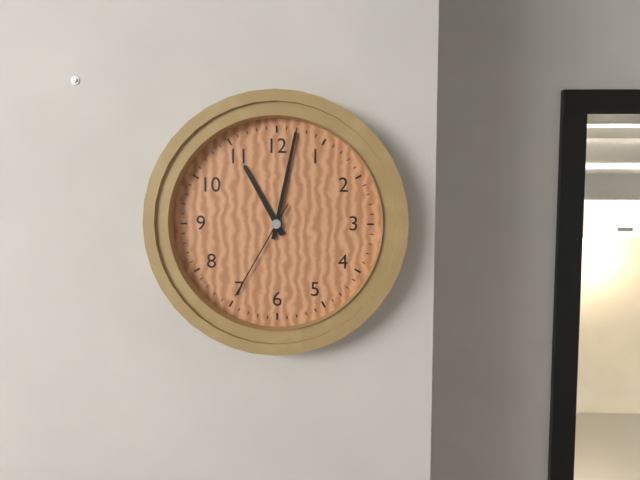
11:02:35
